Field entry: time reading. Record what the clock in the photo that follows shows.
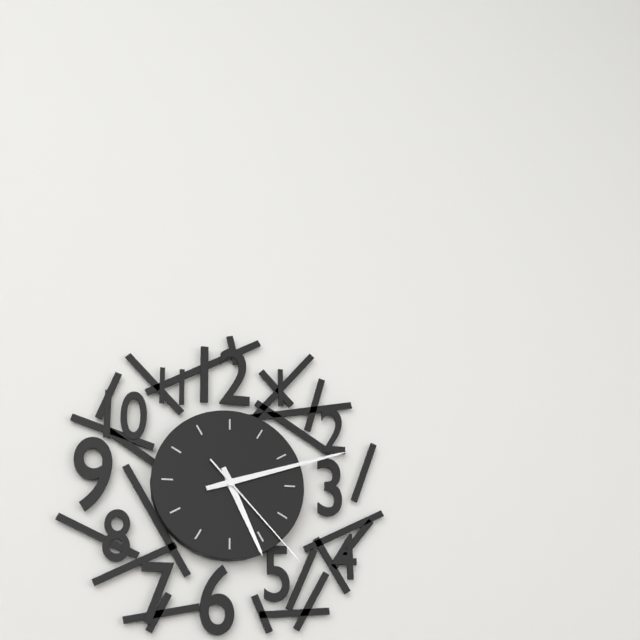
5:12:23
